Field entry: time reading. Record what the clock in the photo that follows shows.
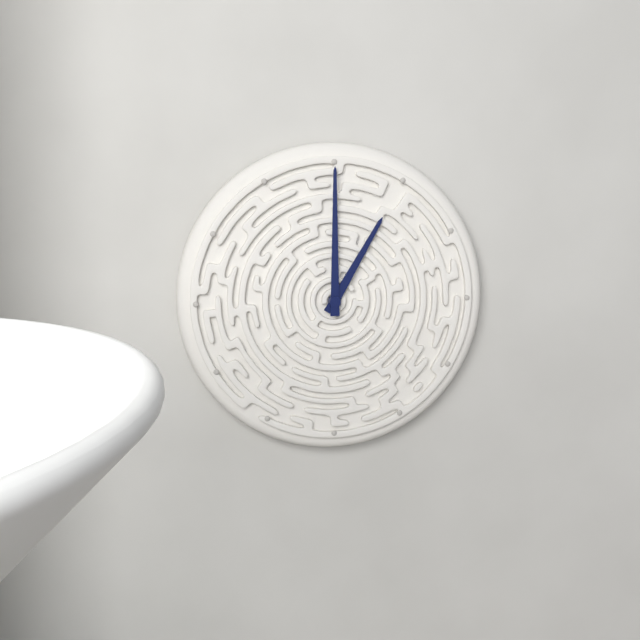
1:00
